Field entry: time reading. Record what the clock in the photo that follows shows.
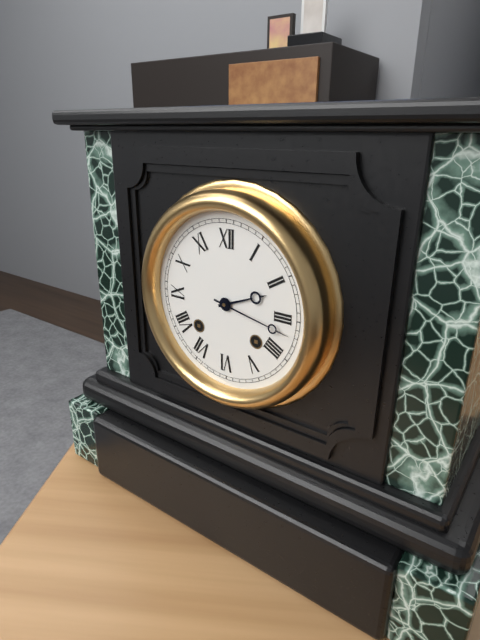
2:17
